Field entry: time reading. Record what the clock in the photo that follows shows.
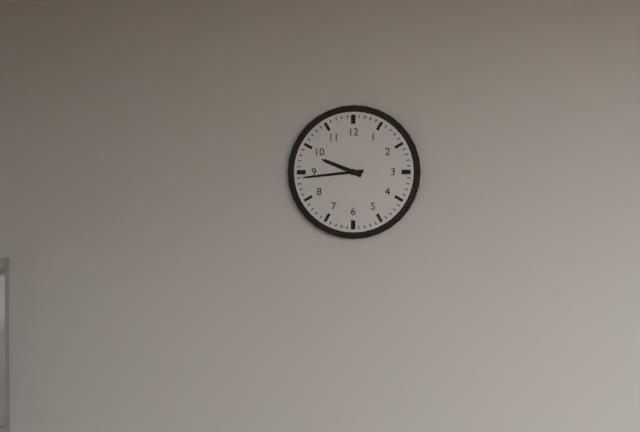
9:44
